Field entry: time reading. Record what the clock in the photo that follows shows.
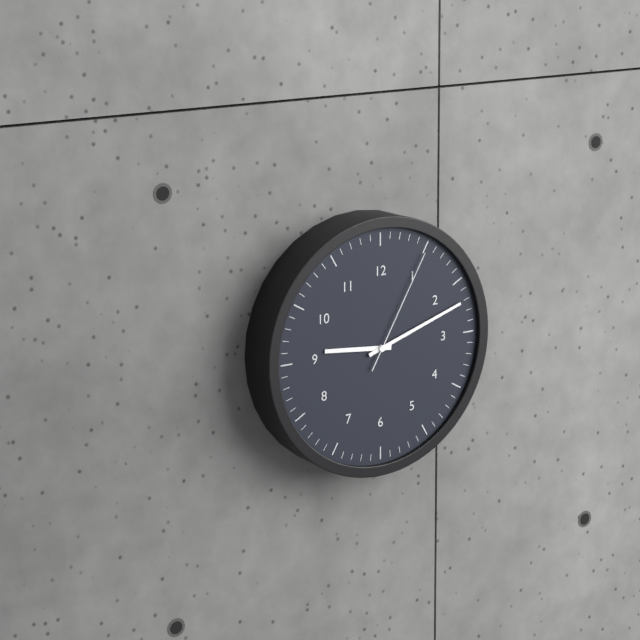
9:12:05
